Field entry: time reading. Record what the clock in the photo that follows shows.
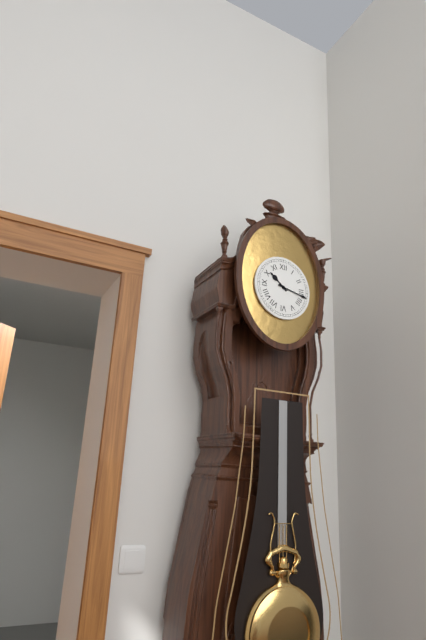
10:17
